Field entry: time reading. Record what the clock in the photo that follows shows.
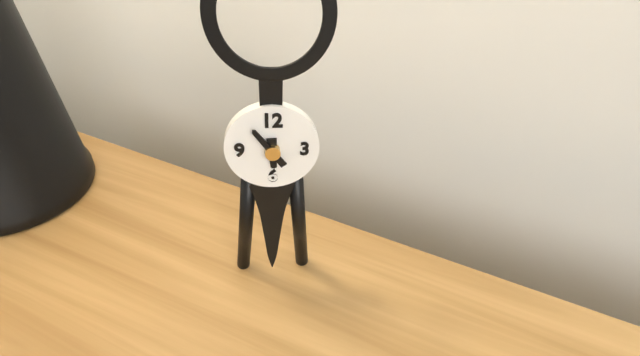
5:54
